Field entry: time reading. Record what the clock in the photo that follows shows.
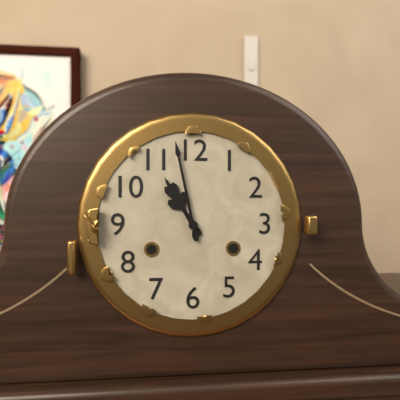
10:58
